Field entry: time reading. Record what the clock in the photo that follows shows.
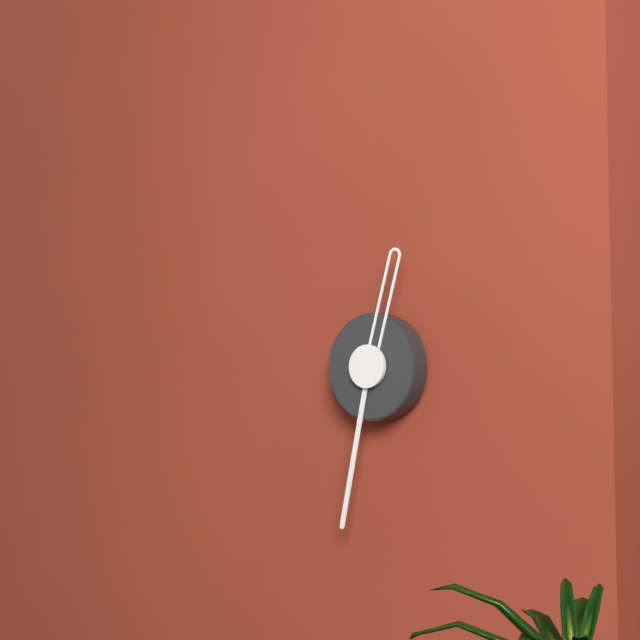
12:32
